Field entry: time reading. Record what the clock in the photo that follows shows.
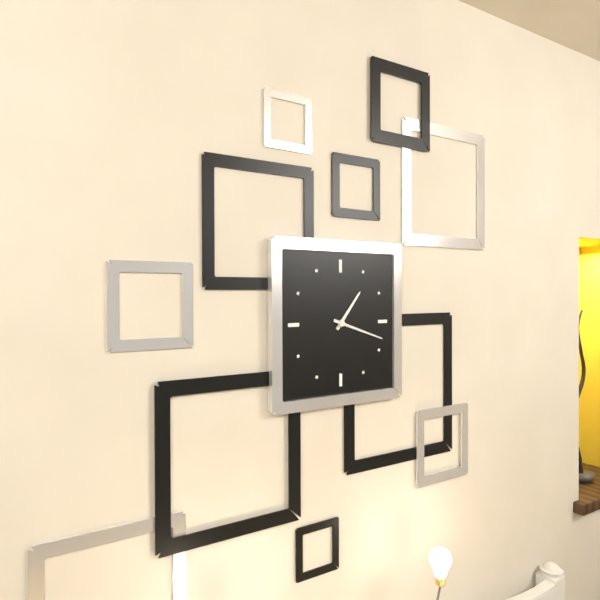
1:18
